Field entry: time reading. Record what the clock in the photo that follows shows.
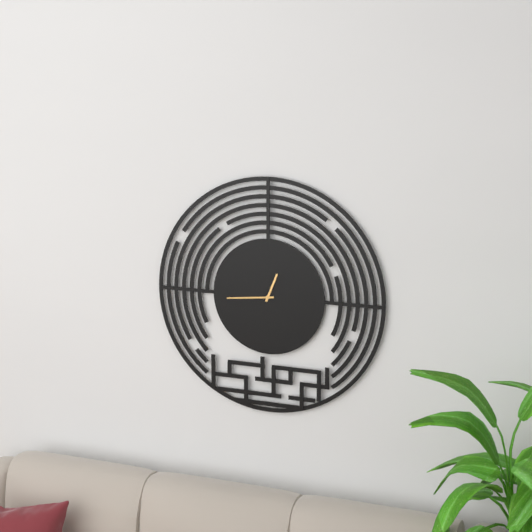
12:44
